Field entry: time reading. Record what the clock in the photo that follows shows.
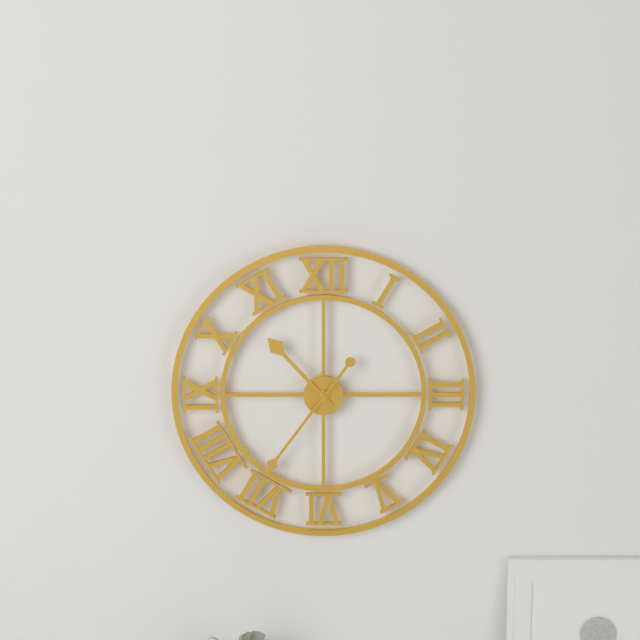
10:36
